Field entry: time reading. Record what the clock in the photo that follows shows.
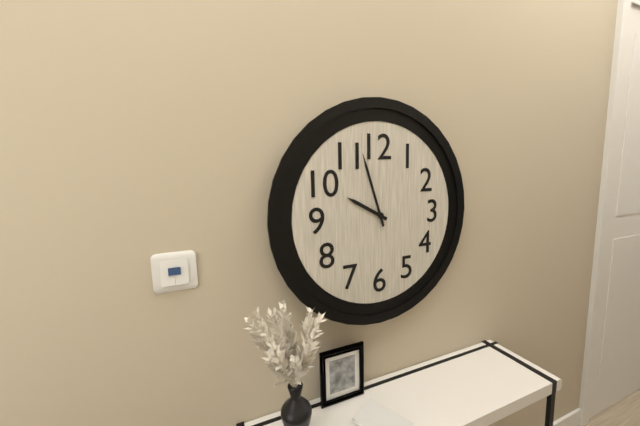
9:57
